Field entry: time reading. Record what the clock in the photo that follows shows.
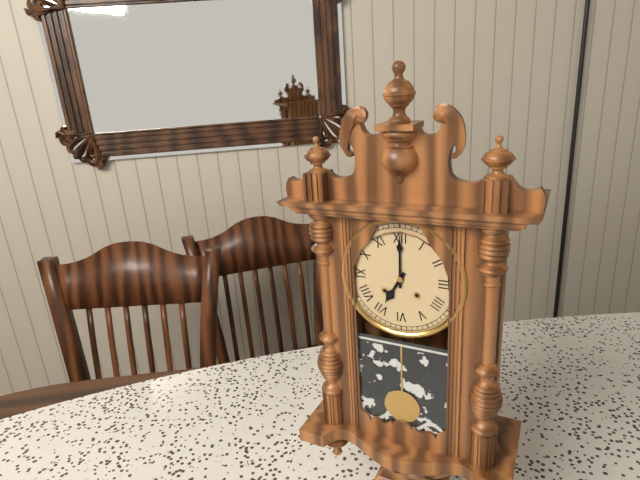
7:00
